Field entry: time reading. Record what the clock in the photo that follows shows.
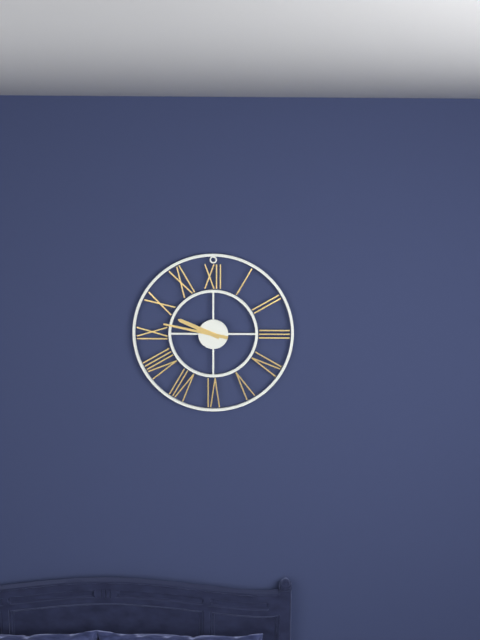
9:47
